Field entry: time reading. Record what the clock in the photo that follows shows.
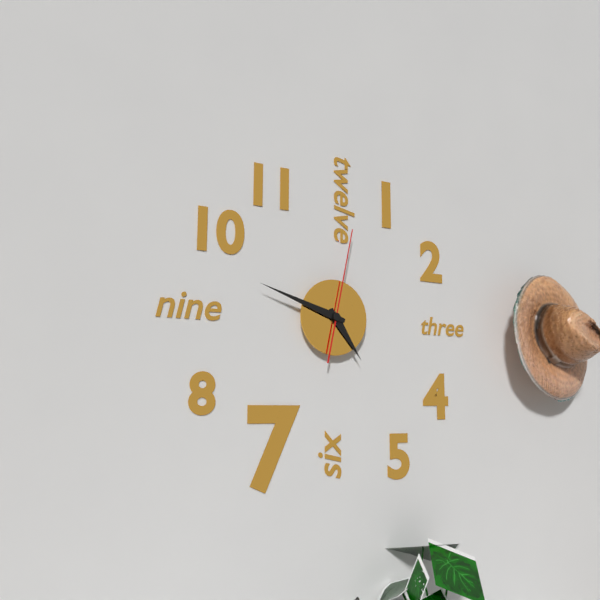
4:48:02
